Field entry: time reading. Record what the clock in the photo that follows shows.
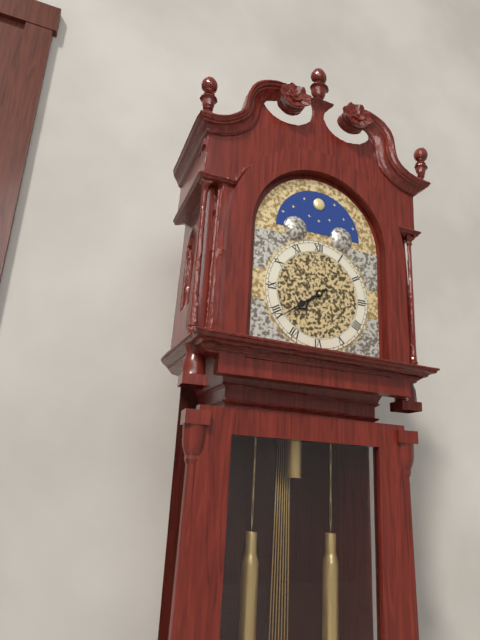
7:39
